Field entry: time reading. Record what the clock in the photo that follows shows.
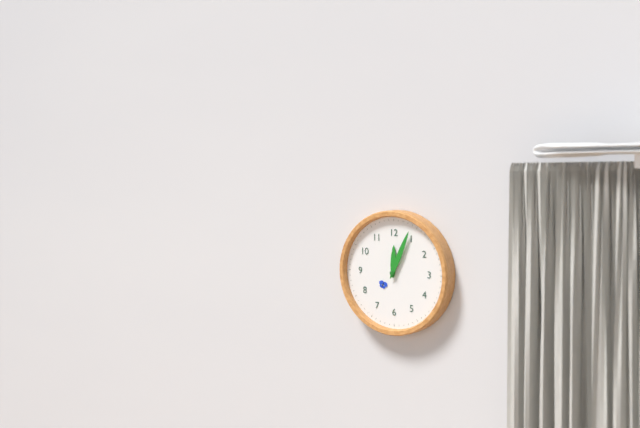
12:04
